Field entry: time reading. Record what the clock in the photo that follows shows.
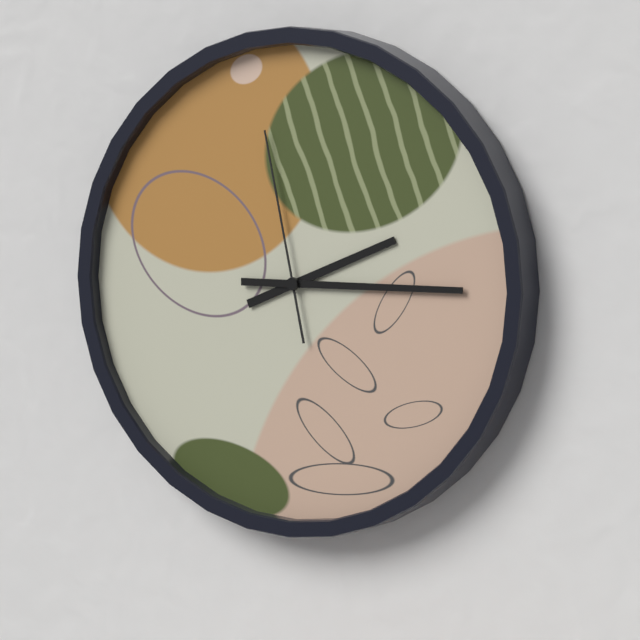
2:15:58
